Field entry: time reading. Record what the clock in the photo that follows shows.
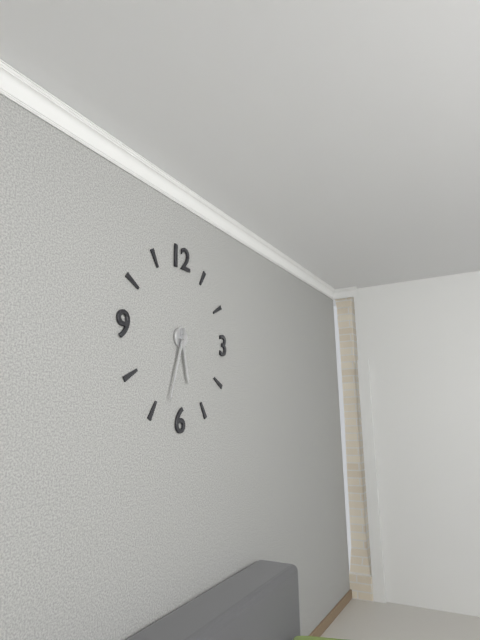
5:33
